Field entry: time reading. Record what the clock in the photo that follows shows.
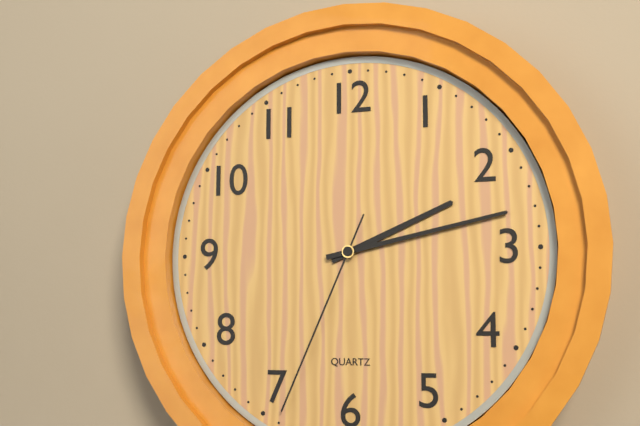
2:13:34
